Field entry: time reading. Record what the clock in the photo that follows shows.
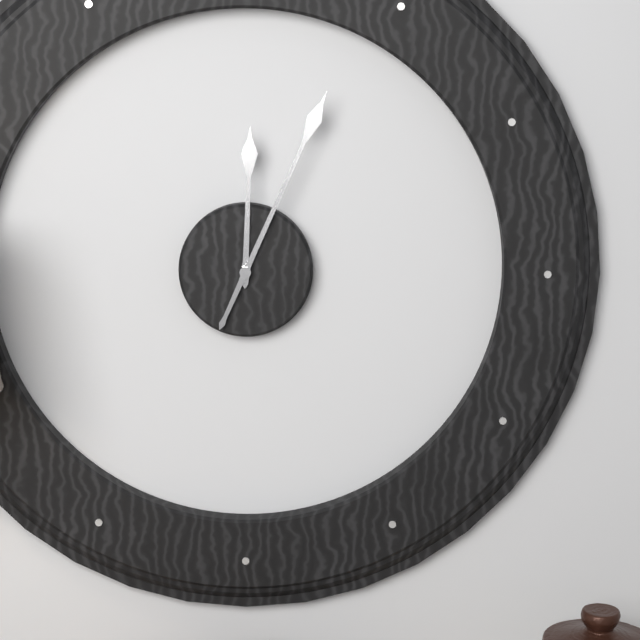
12:04
